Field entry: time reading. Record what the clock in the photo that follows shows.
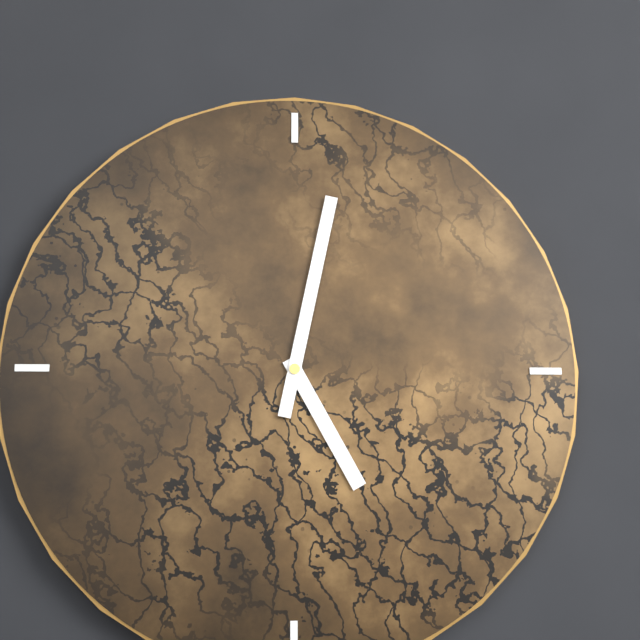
5:02
